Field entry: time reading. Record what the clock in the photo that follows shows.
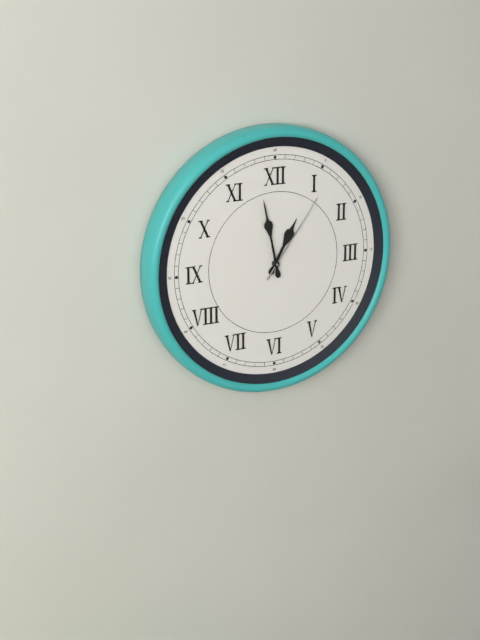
12:58:06
